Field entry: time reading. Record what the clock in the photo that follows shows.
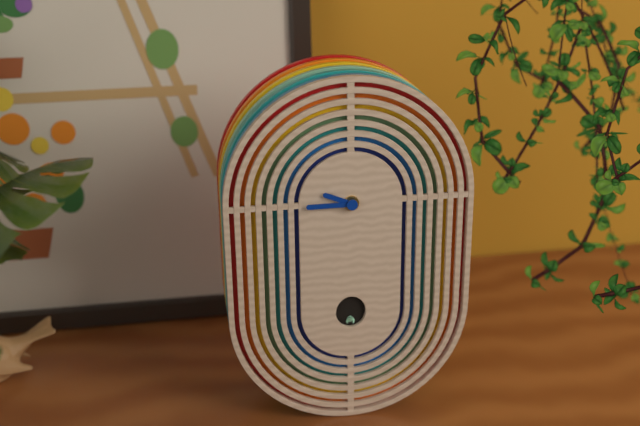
9:45
